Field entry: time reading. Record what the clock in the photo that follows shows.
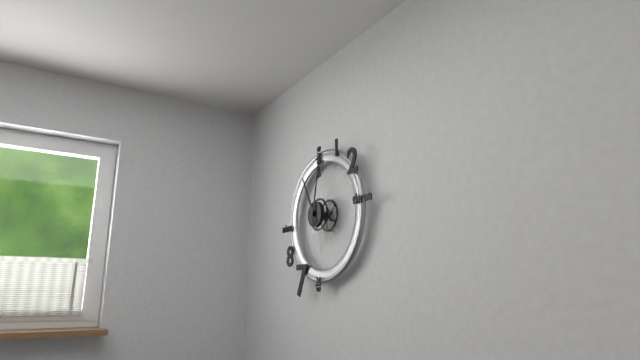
11:02
